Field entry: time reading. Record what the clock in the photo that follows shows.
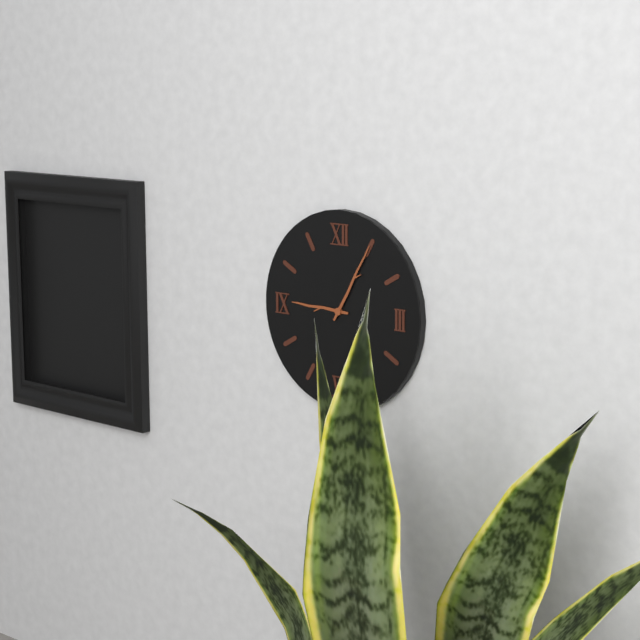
9:05
